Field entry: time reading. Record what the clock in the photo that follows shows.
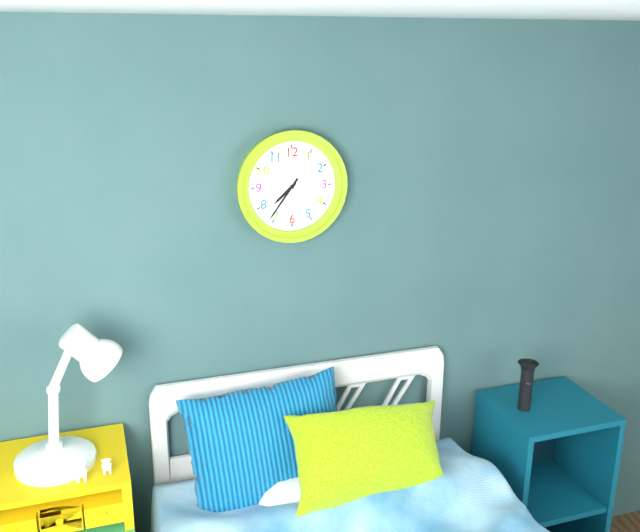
7:36
